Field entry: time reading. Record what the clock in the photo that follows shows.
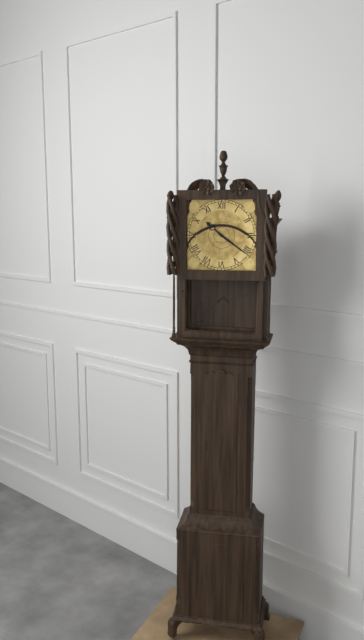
10:21
